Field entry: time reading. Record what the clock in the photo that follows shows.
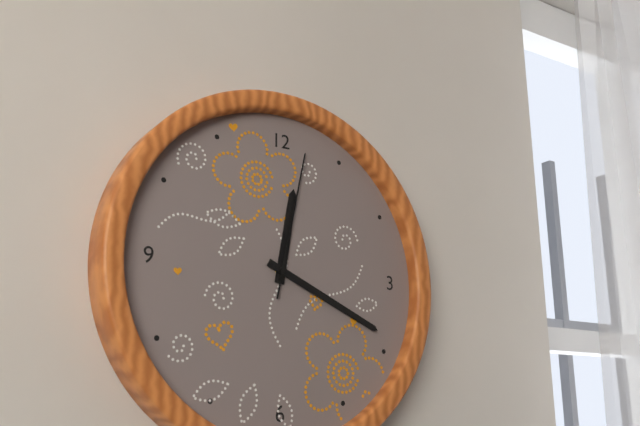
12:19:02
